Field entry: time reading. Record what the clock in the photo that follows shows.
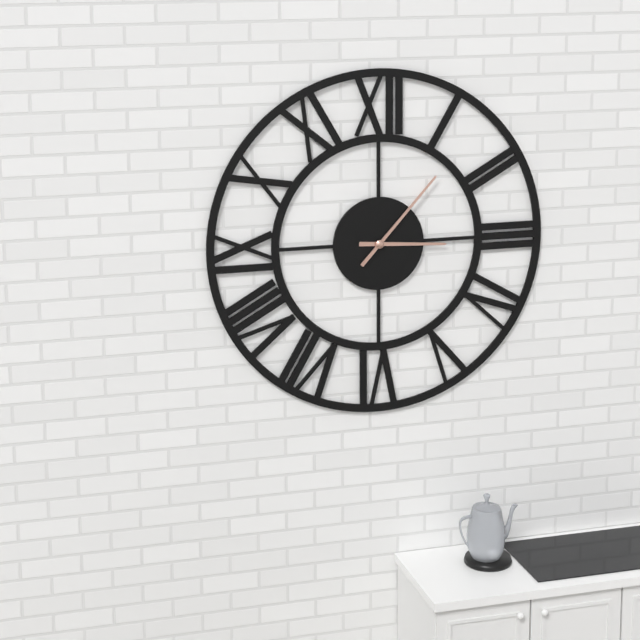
3:07
